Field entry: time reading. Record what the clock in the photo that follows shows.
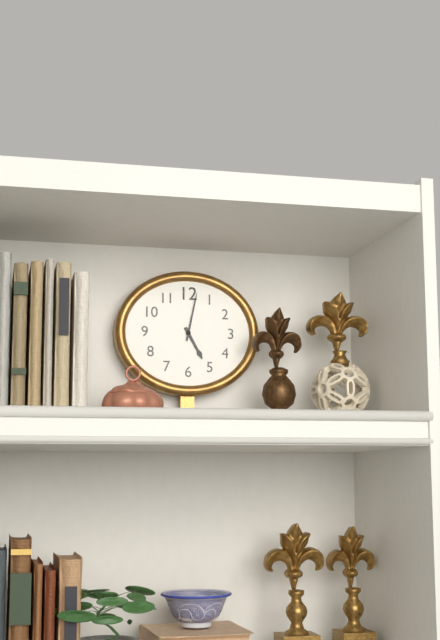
5:02
